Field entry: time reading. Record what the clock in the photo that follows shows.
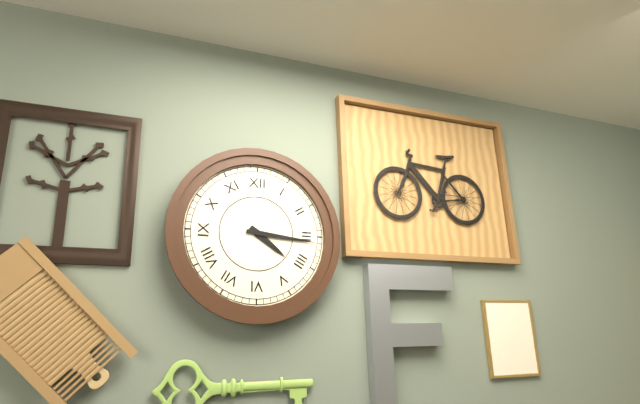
4:16
